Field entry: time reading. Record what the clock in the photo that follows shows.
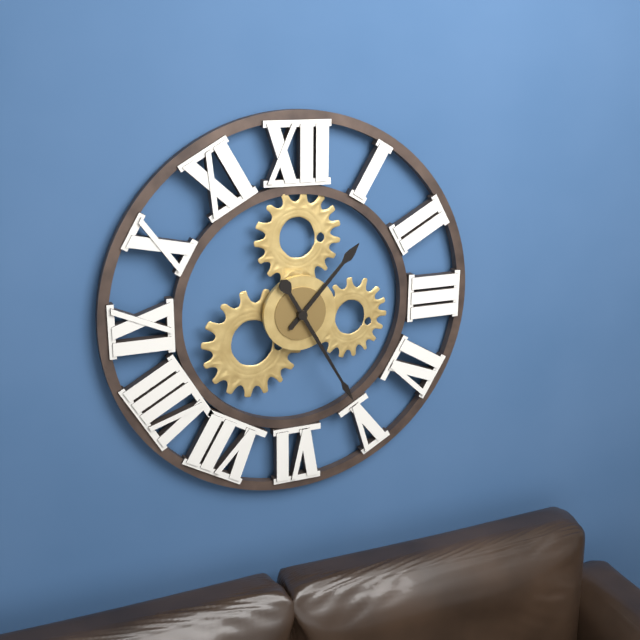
1:25
